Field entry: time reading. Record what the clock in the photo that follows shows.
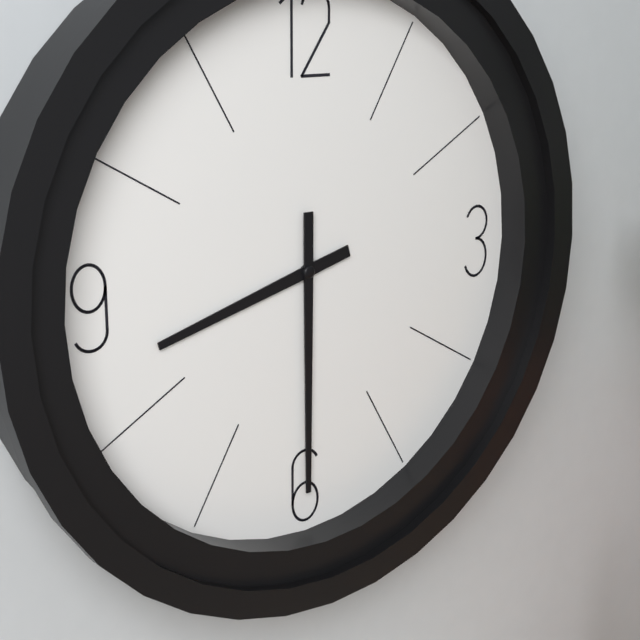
8:30
